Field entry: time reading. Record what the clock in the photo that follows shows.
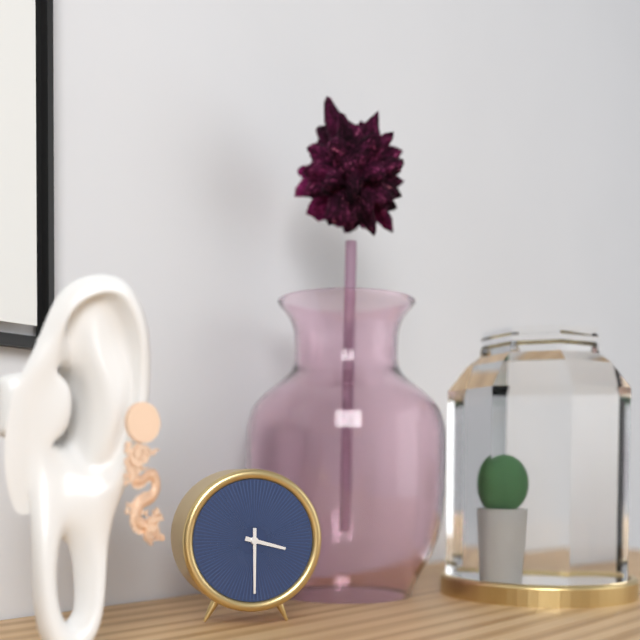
3:30
